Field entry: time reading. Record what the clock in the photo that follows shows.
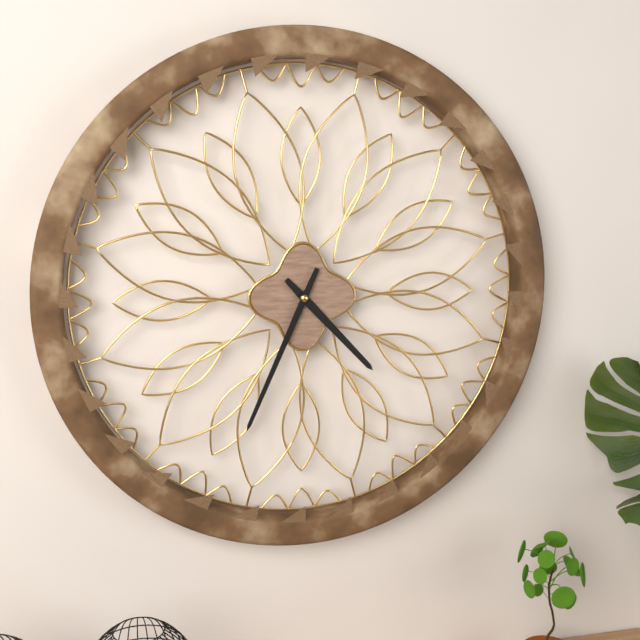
4:34
